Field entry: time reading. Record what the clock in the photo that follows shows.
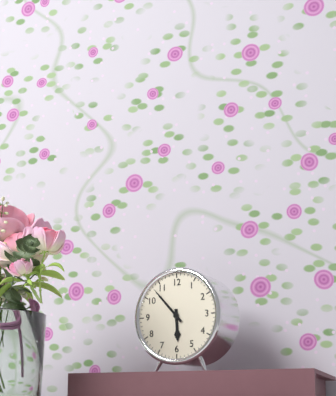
5:53
